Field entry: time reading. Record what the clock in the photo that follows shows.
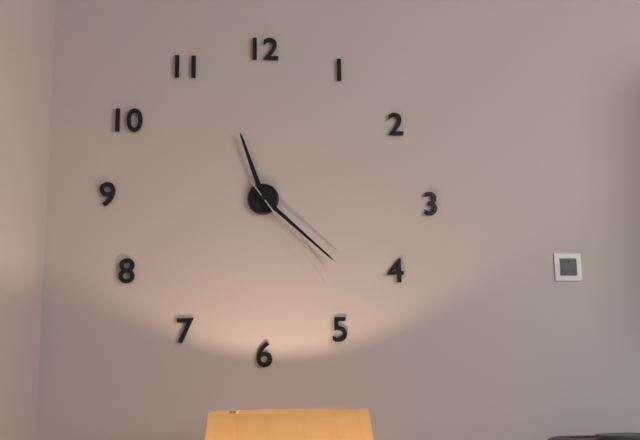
11:22:24
